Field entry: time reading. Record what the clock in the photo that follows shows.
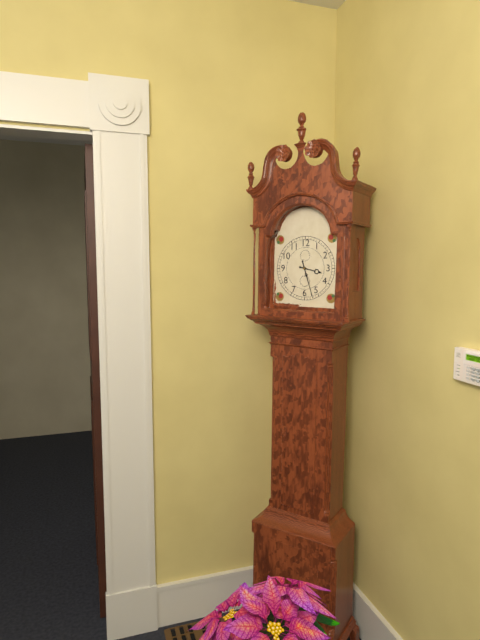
3:27
